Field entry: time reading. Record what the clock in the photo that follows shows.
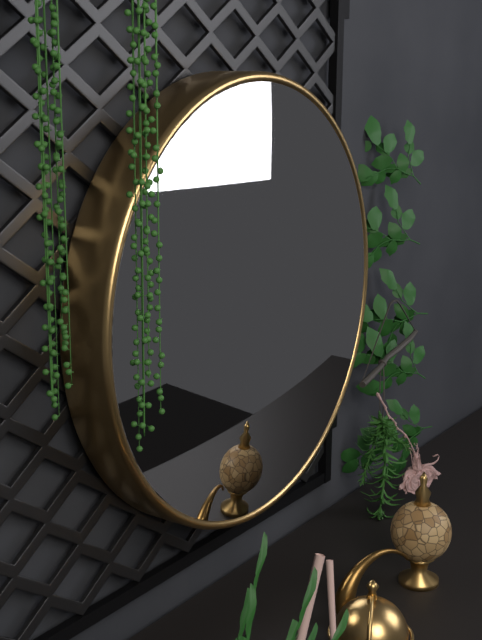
1:52
